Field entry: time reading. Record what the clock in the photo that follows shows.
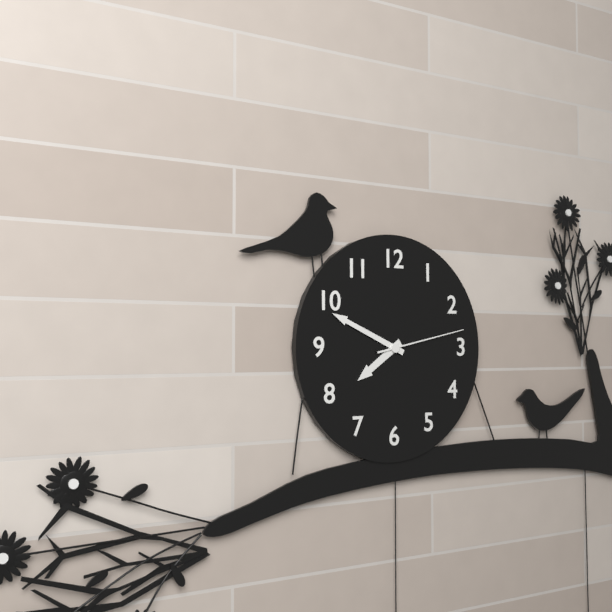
7:49:13
